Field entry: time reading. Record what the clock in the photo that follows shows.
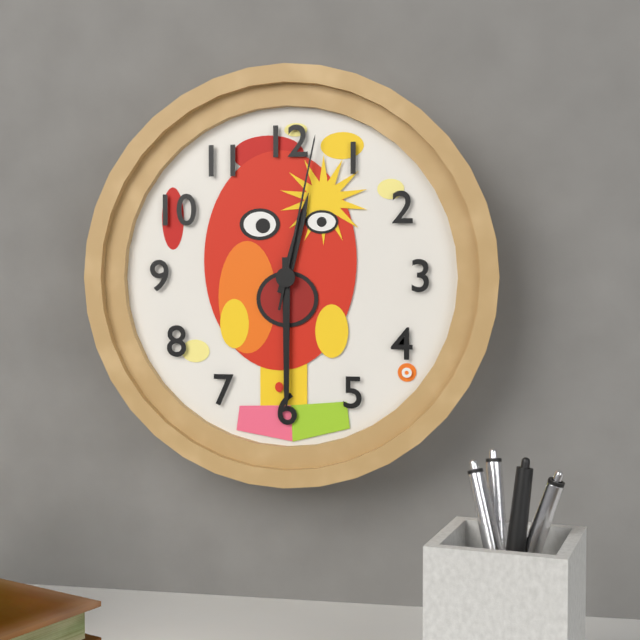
12:30:02
